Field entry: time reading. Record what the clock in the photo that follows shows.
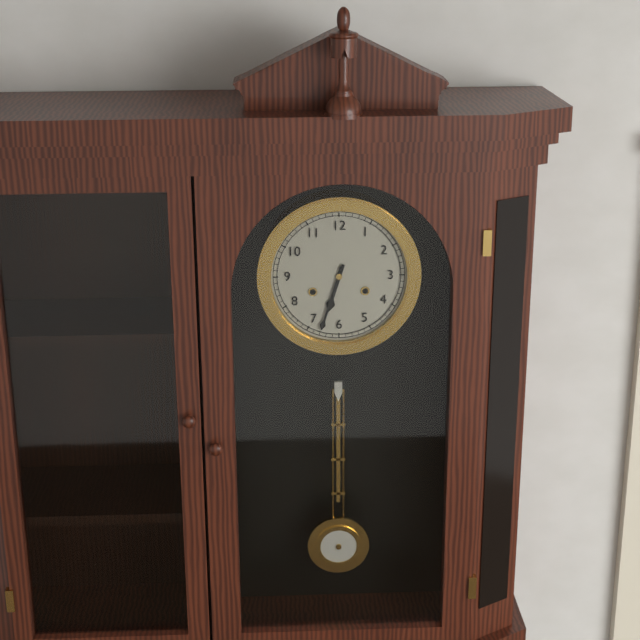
6:33
